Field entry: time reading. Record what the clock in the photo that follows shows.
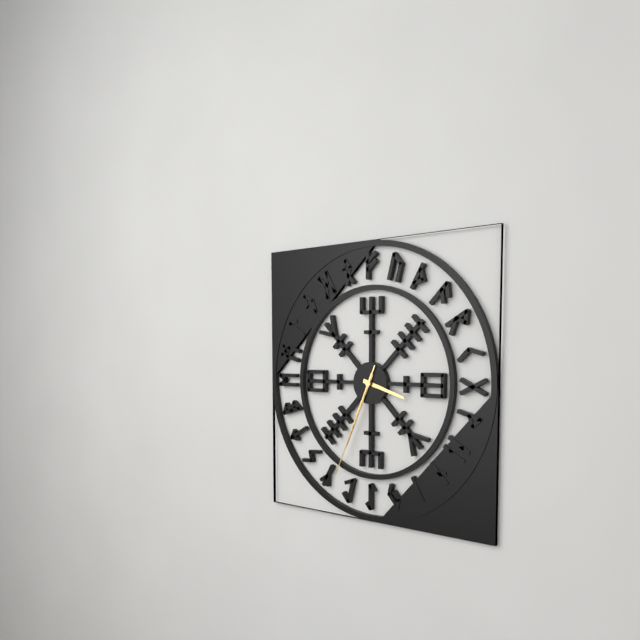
3:34:34
